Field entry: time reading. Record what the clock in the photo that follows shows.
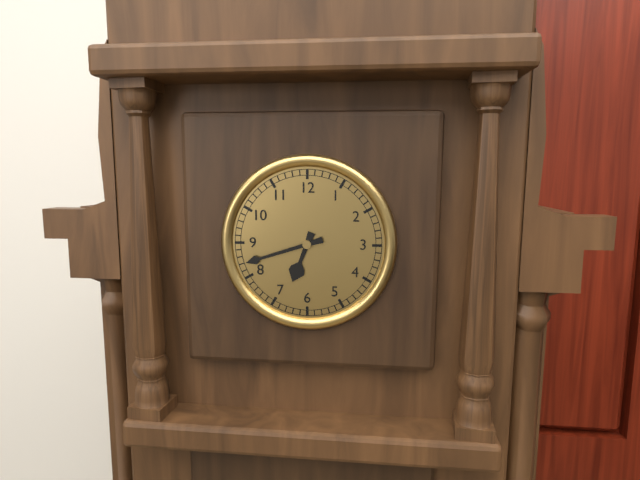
6:42
